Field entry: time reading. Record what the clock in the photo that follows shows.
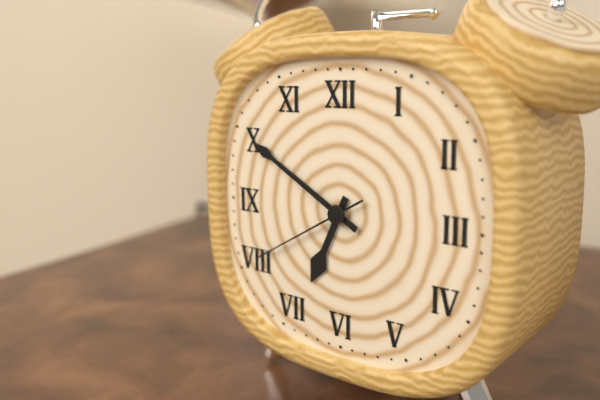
6:50:40
